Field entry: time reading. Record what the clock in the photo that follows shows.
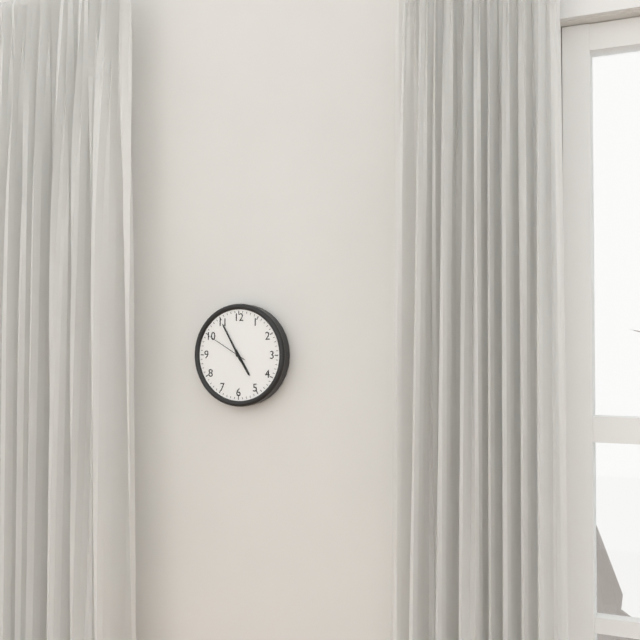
4:55
